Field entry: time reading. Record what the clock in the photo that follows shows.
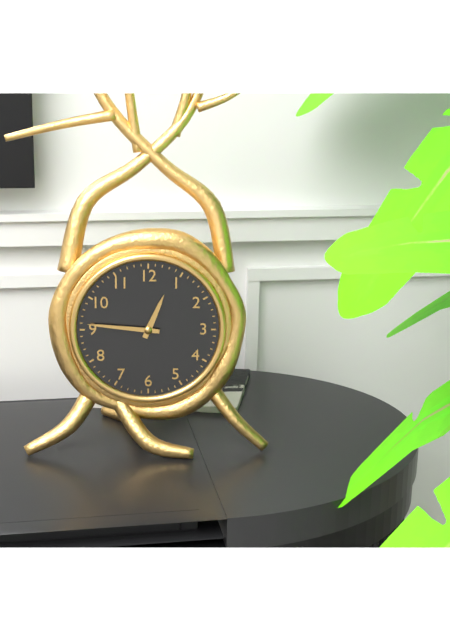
12:46
